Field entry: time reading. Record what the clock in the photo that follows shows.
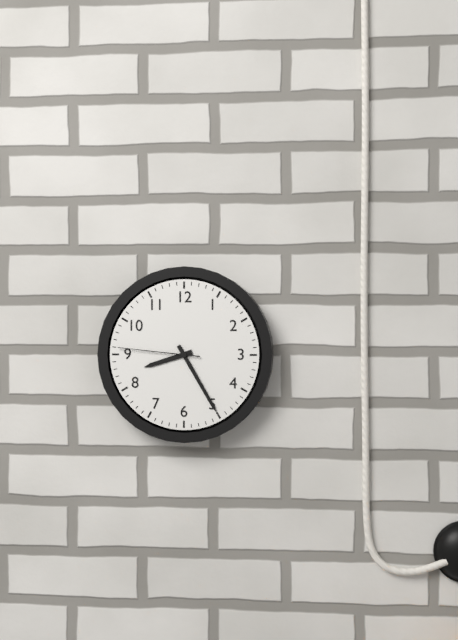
8:25:46
